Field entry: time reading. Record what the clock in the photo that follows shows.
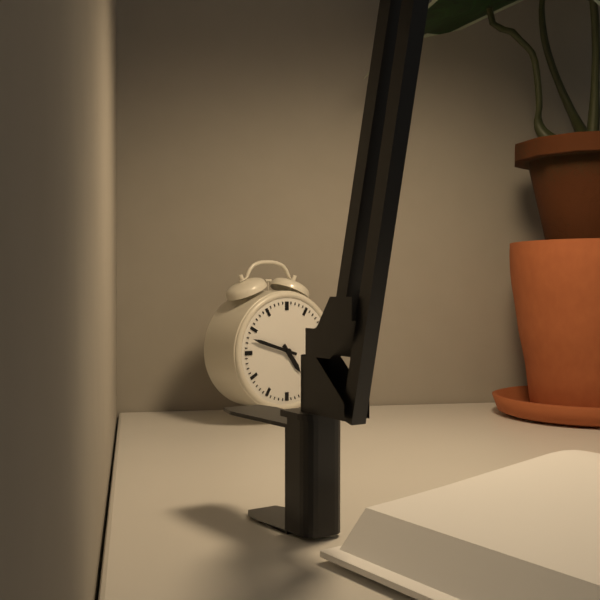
4:48
